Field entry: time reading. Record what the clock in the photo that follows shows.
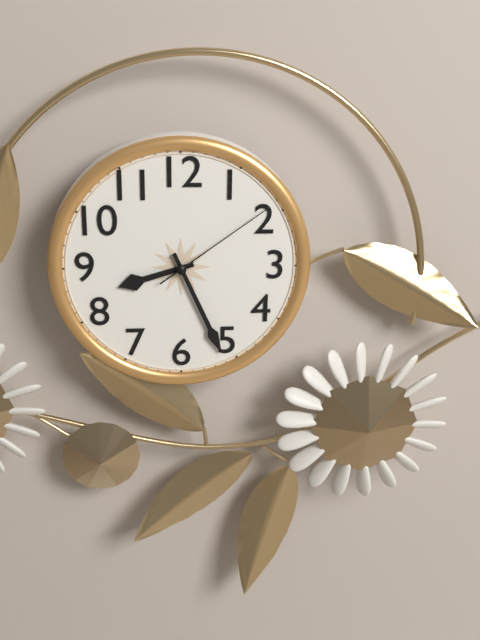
8:26:09
